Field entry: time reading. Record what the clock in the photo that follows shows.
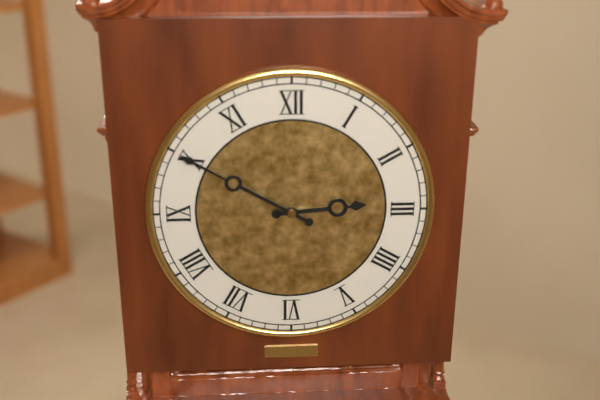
2:50
